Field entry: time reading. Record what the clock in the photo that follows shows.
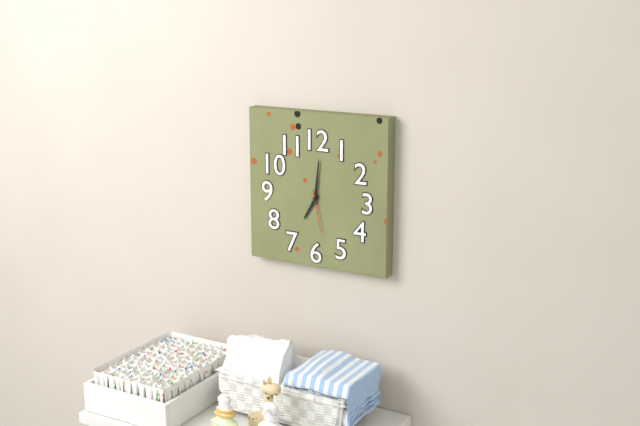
7:01
